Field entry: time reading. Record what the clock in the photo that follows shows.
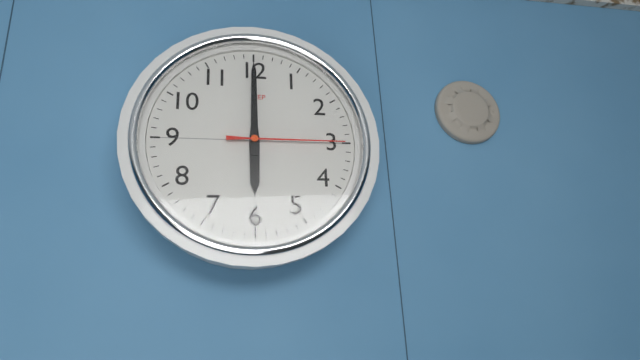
6:00:15
